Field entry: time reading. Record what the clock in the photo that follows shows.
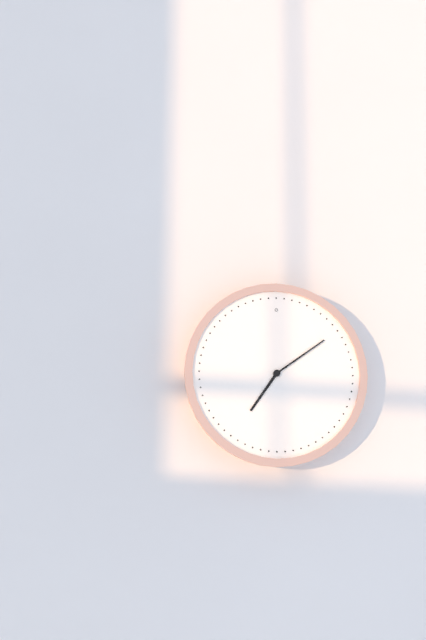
7:09
